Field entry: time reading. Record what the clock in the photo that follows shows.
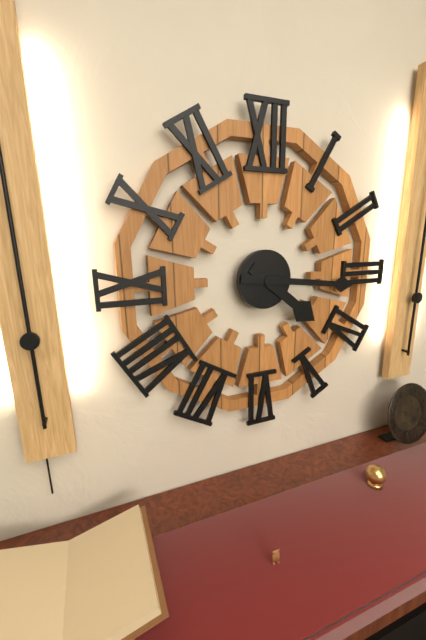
4:16
